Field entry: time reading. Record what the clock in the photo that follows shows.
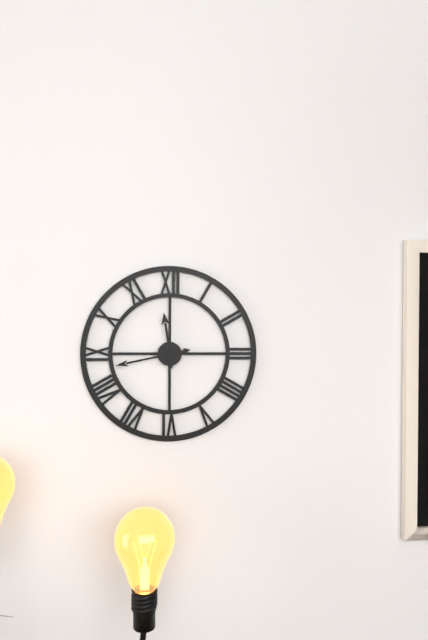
11:43
